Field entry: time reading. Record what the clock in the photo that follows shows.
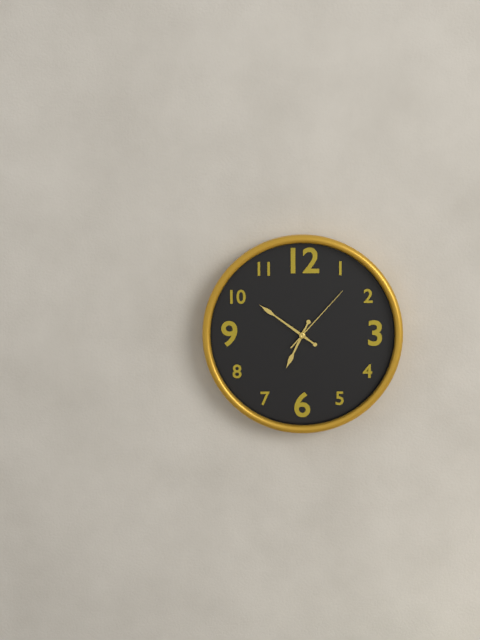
6:51:07
